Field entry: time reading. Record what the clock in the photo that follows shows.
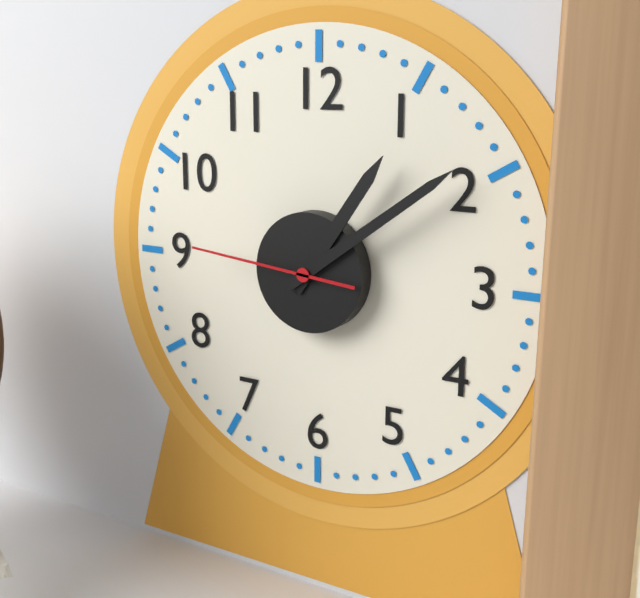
1:09:46
